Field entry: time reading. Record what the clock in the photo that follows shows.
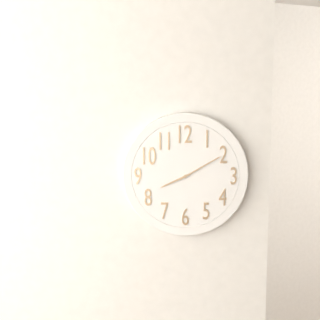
8:10
